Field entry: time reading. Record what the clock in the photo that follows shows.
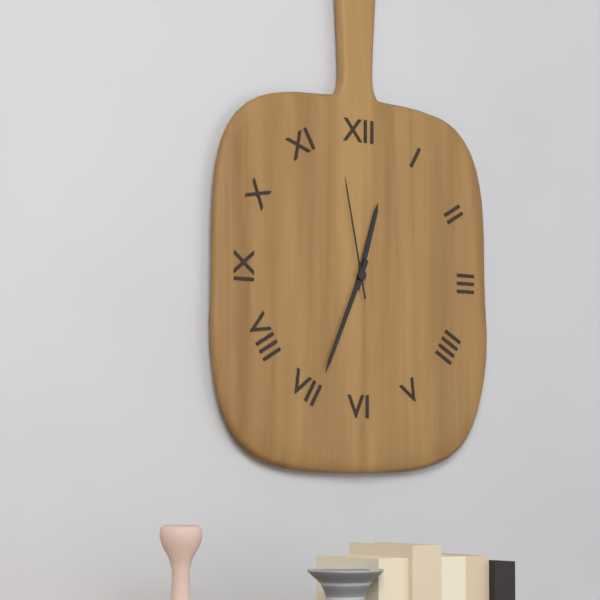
12:34:58
